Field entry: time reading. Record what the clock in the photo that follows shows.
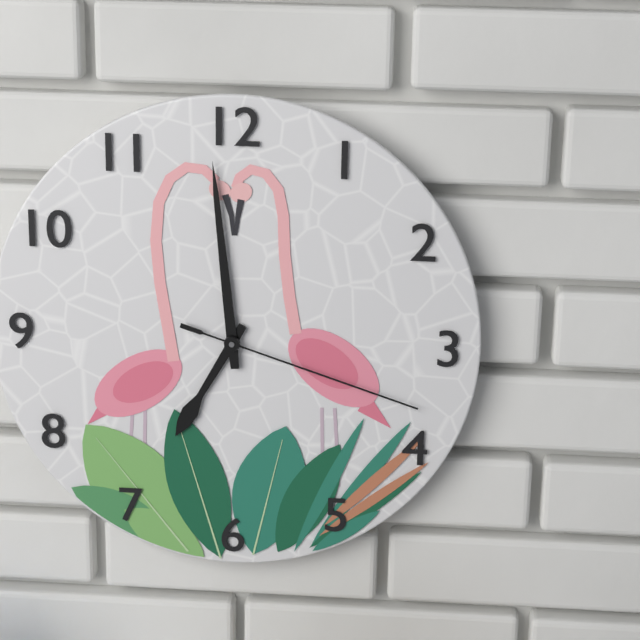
6:59:18
